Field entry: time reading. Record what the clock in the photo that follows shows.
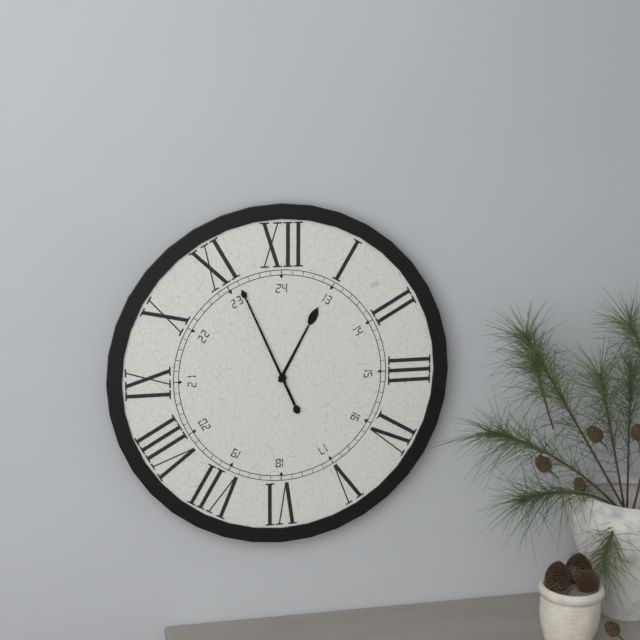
12:56
